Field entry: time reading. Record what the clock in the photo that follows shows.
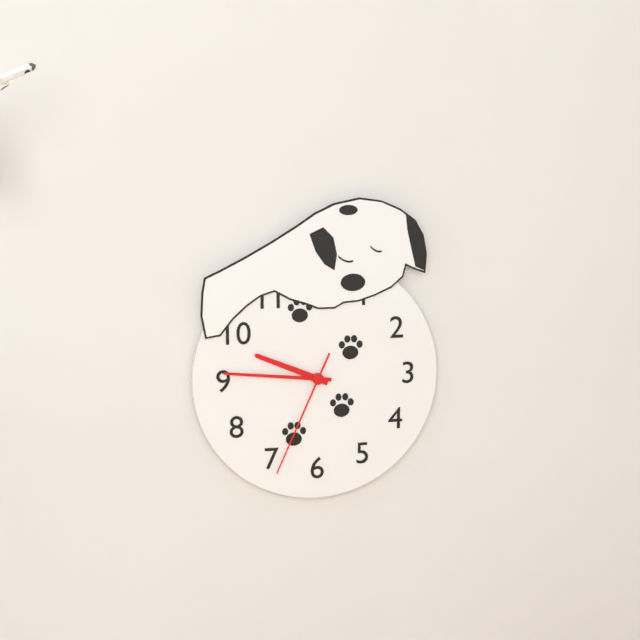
9:46:34
